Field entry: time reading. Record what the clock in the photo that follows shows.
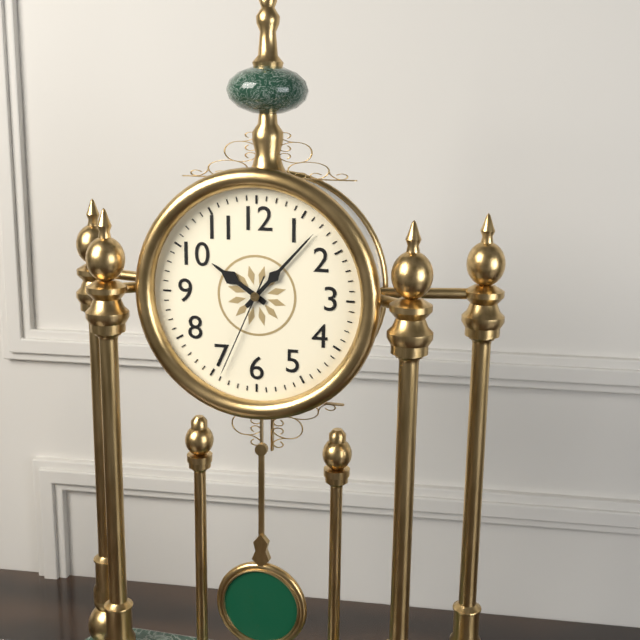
10:07:34
